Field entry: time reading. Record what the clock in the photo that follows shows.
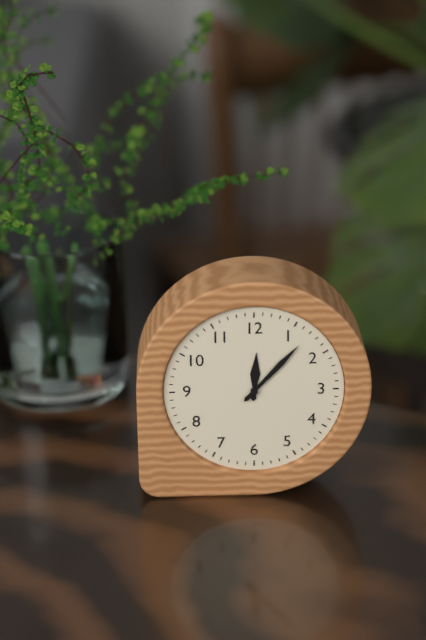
12:07
